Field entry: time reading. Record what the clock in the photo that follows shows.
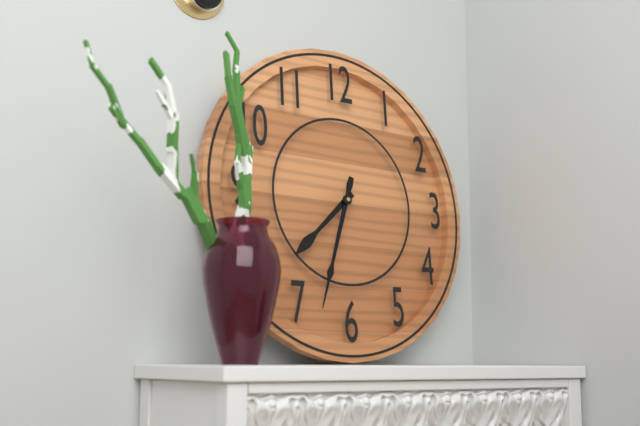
7:33
